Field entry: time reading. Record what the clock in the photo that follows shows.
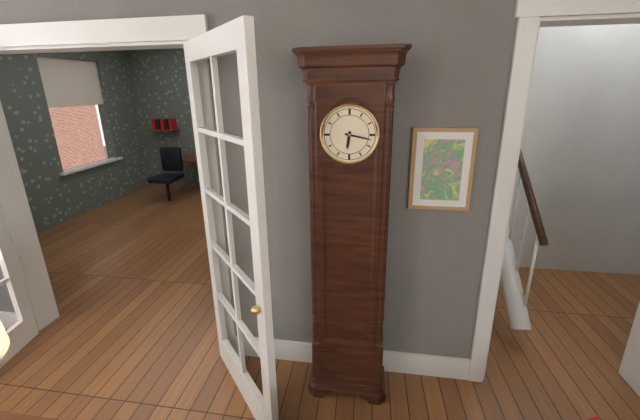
6:17
